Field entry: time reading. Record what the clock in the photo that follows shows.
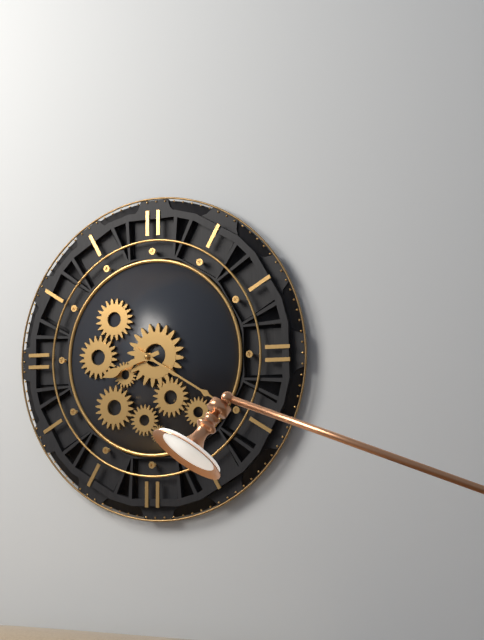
8:20
